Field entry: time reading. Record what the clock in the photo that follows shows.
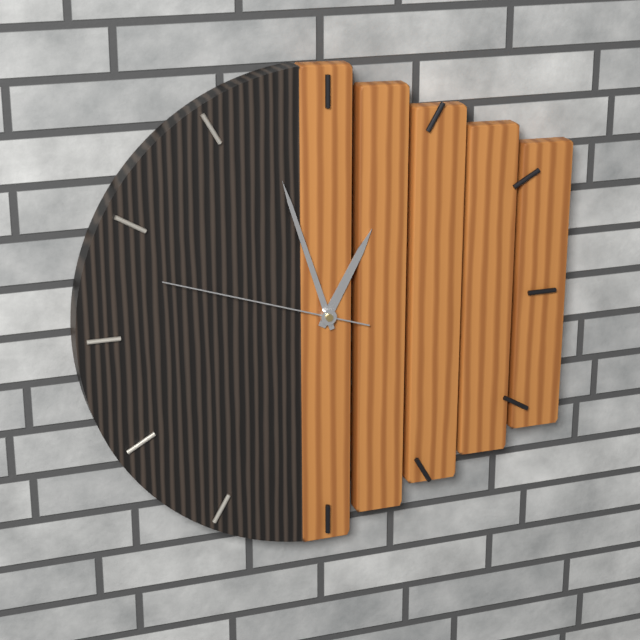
12:57:48
